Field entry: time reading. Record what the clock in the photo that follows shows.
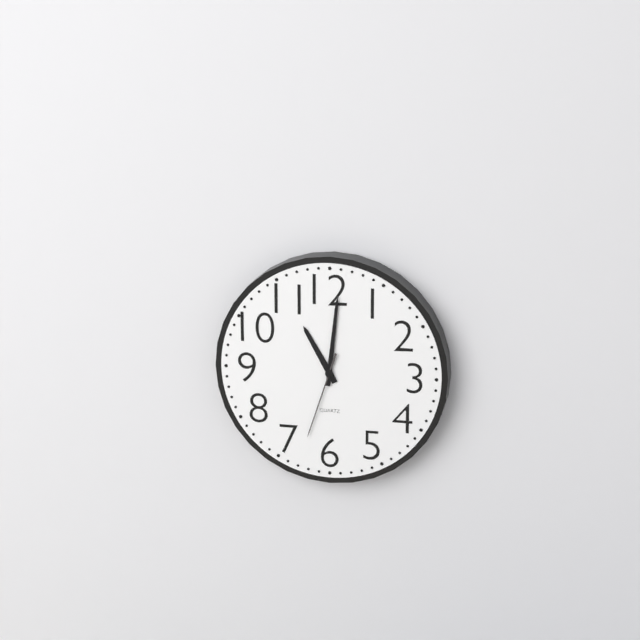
11:01:33
